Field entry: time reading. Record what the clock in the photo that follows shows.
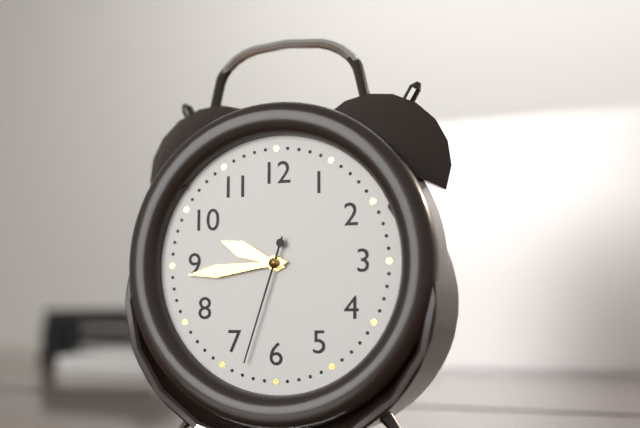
9:44:33
